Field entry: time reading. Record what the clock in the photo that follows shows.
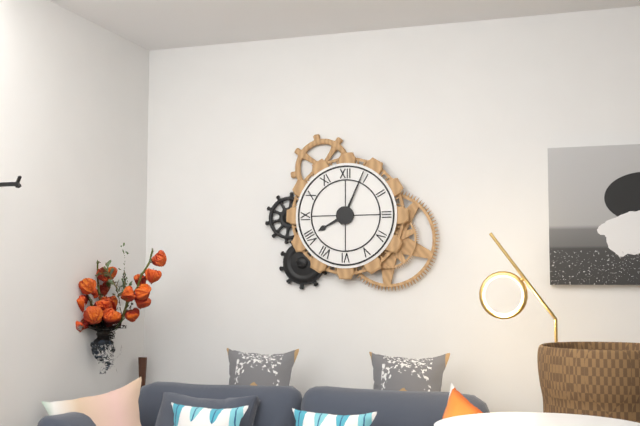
8:04
